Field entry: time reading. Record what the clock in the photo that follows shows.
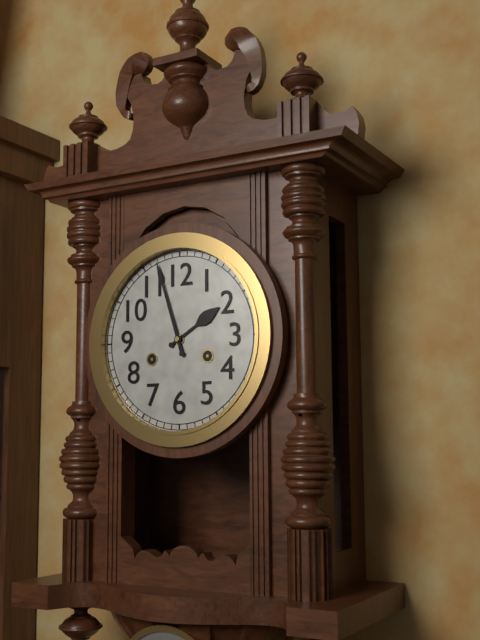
1:57
